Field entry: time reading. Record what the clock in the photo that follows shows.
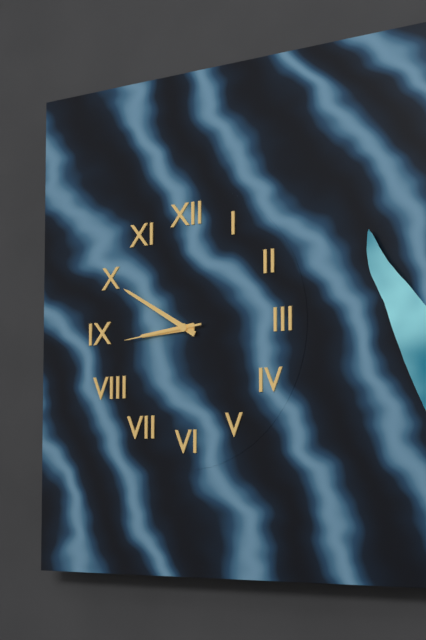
8:50:44
